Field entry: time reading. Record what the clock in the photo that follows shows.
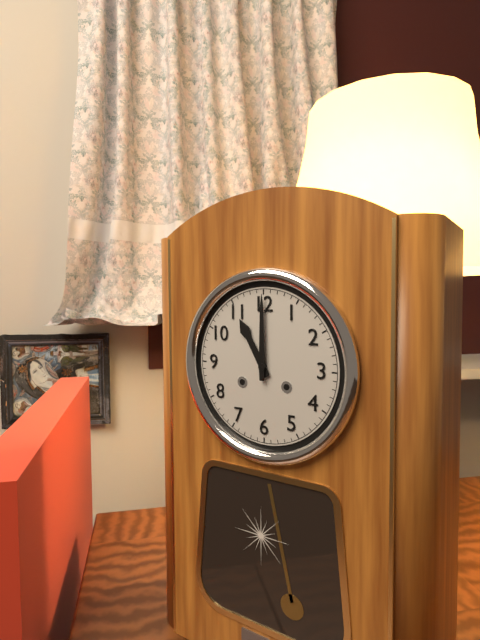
11:00
